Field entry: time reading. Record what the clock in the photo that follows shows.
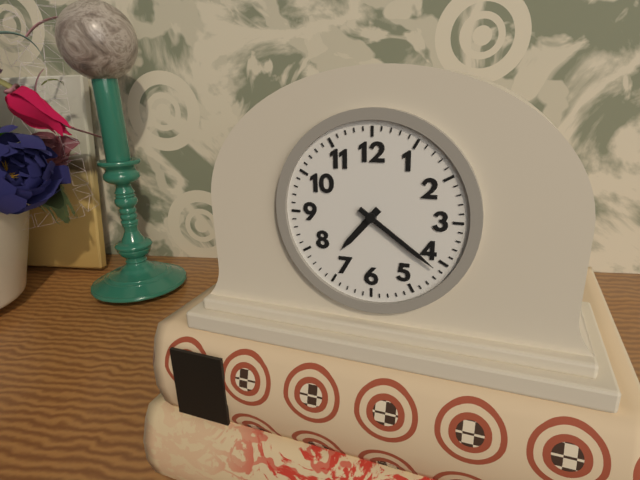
7:21
